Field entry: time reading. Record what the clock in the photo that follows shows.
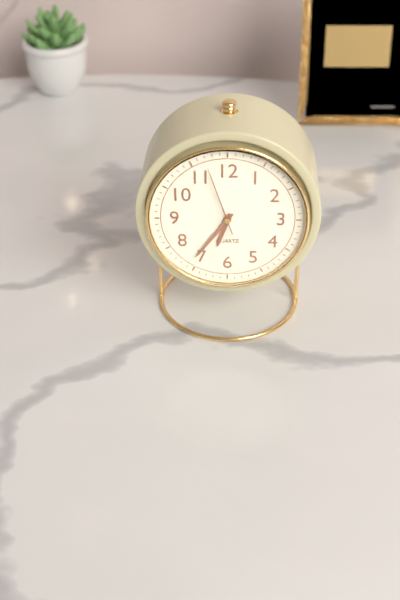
6:36:57
